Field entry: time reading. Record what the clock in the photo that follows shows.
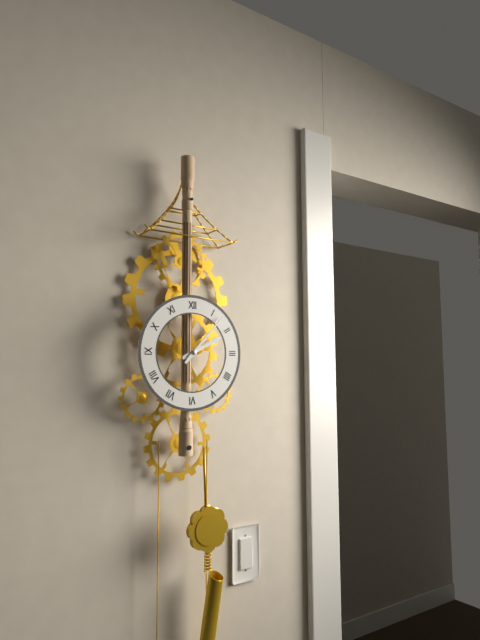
2:07
